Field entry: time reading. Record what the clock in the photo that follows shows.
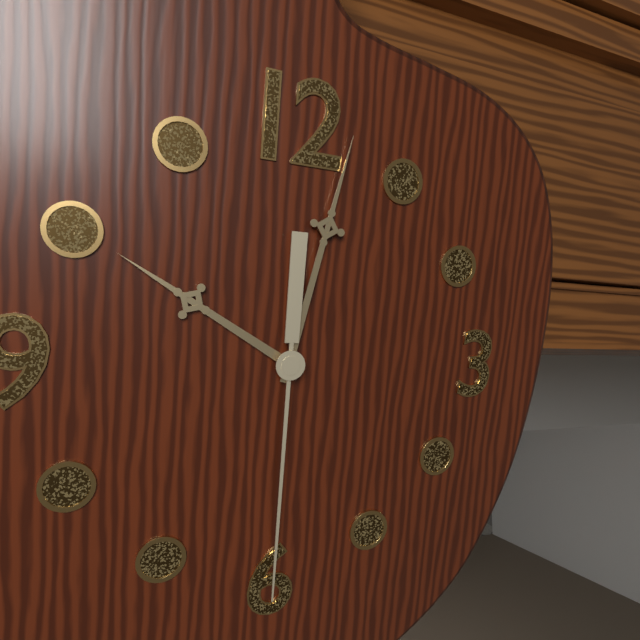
10:02:30
